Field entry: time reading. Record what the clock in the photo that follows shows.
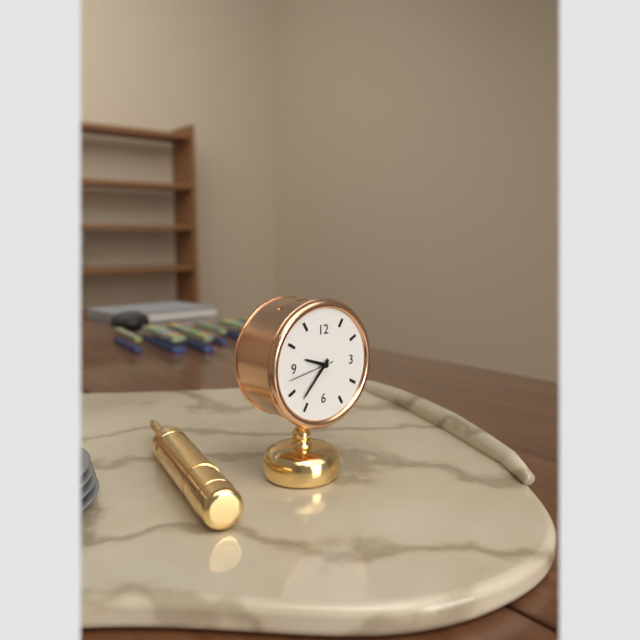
9:37:43
